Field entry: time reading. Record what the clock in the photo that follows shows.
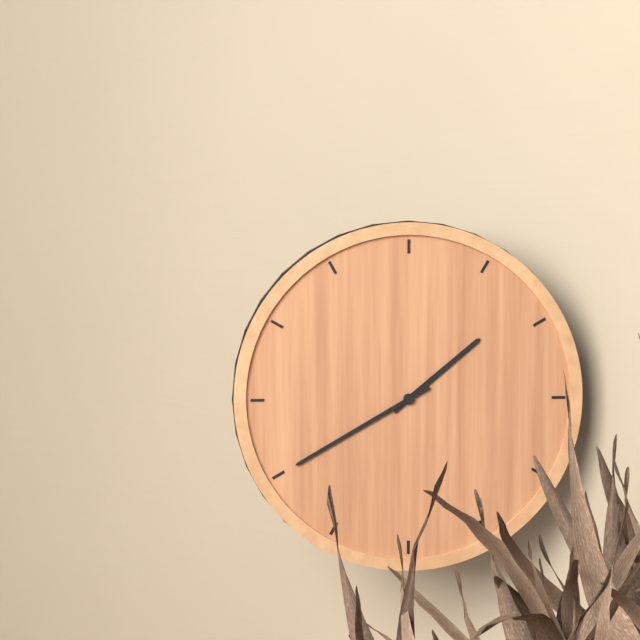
1:40
